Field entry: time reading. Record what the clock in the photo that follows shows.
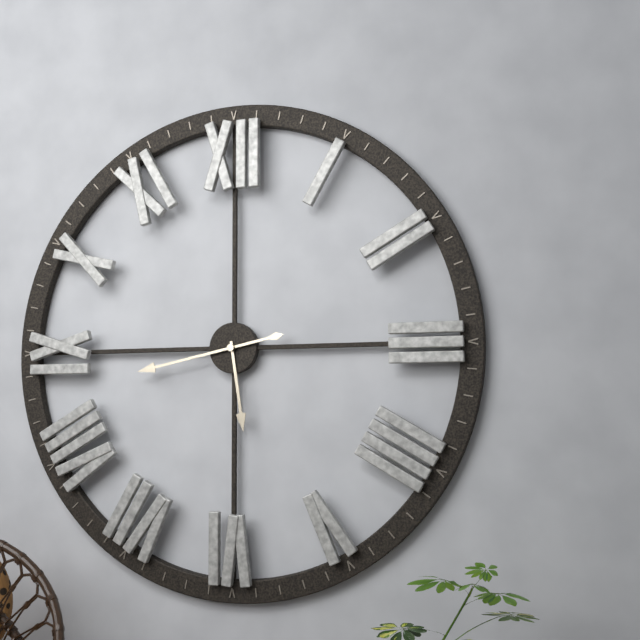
5:43
